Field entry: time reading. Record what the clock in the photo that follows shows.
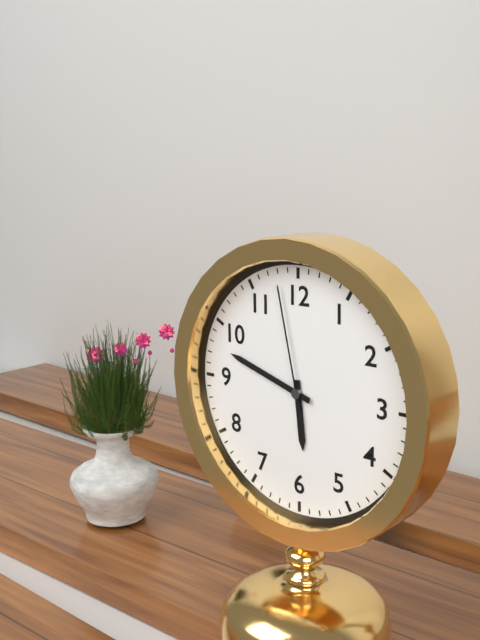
5:48:58
